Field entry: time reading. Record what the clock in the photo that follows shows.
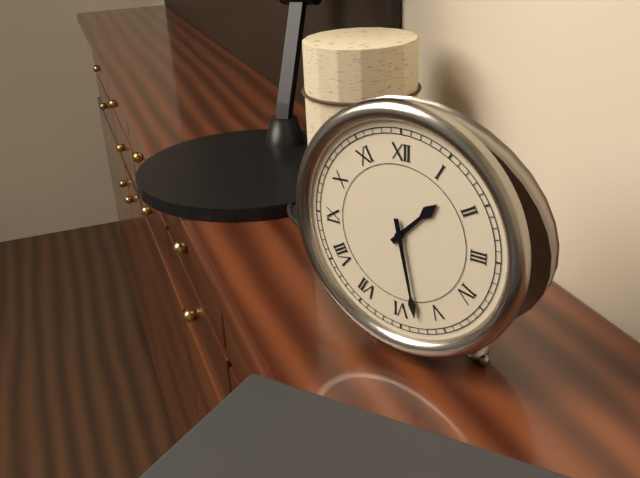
1:28
